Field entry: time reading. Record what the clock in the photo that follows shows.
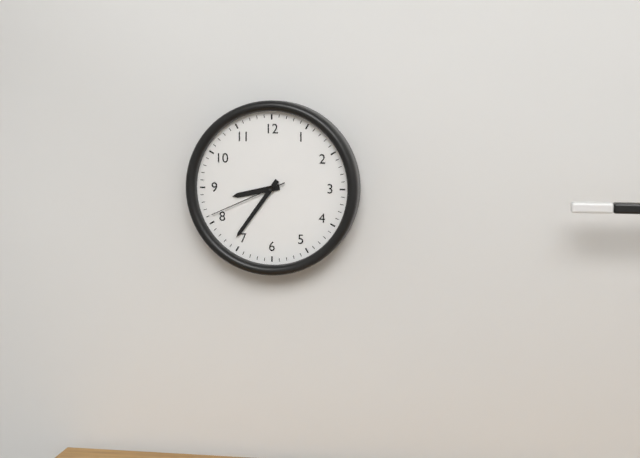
8:36:41
